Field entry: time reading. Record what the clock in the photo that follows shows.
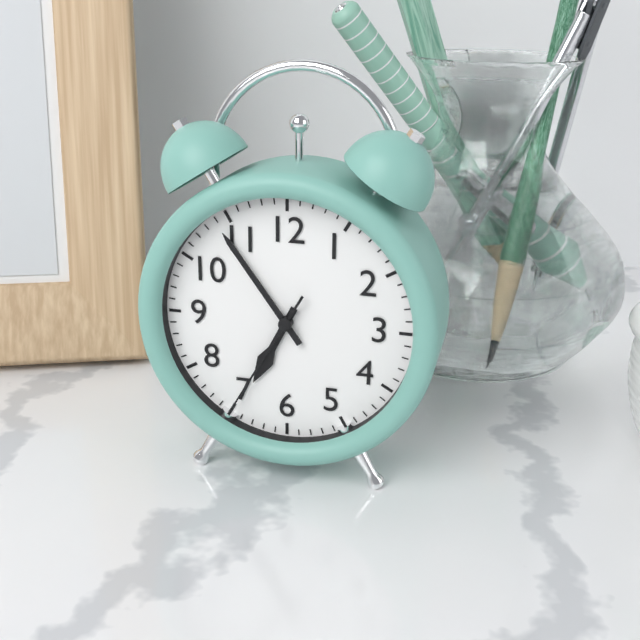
6:54:35
